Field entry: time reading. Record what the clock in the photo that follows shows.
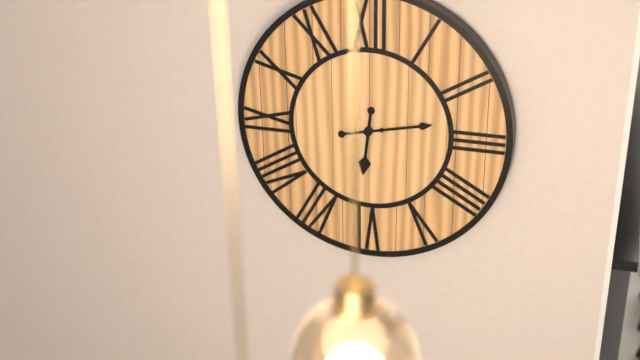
6:13
